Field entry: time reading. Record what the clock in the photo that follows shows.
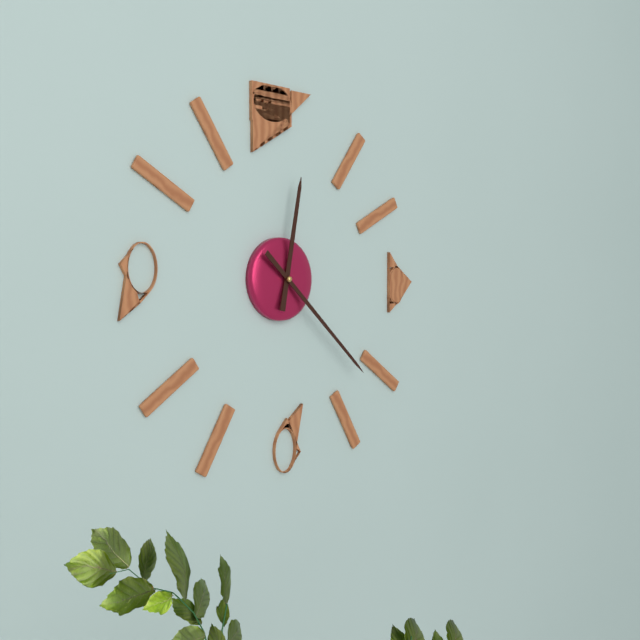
12:22
